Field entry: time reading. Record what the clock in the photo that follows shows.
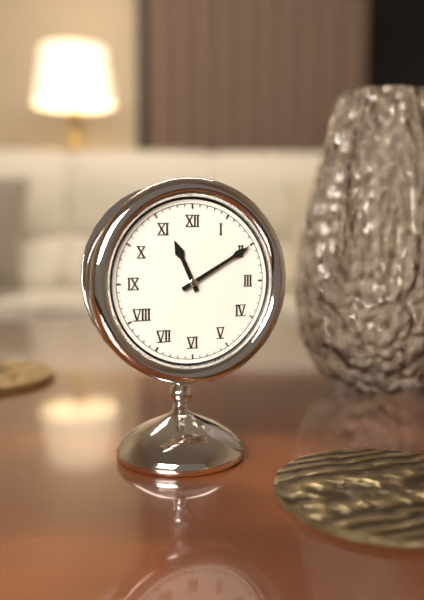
11:10
